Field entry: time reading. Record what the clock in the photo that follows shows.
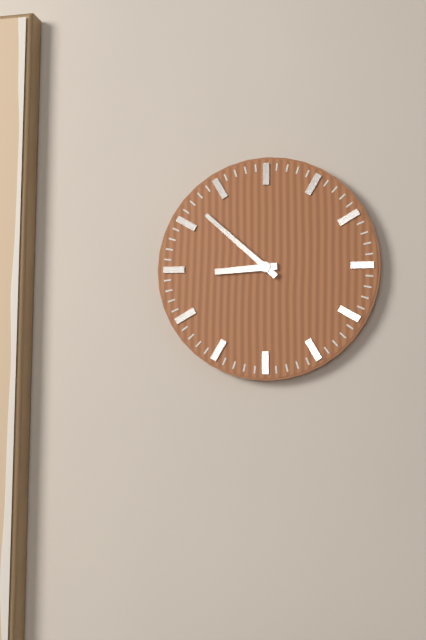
8:52
